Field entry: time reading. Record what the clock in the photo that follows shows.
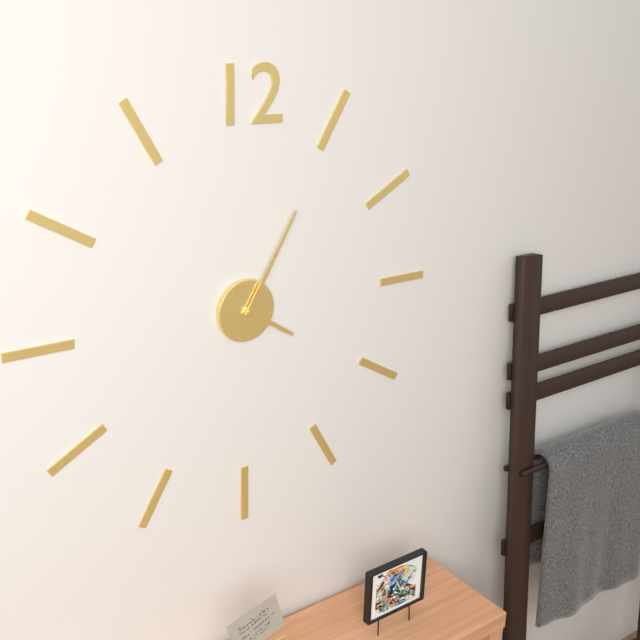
4:05
